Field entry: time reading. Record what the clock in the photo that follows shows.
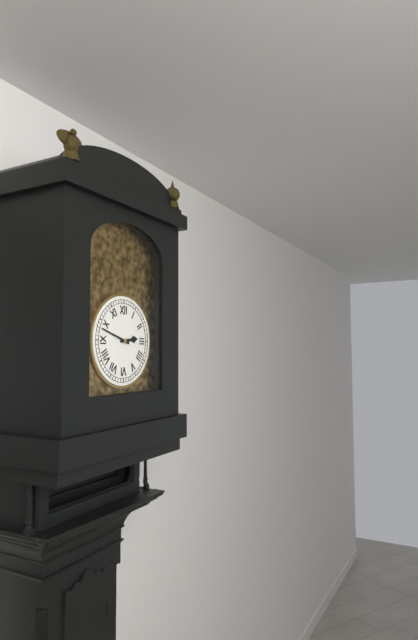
2:48
